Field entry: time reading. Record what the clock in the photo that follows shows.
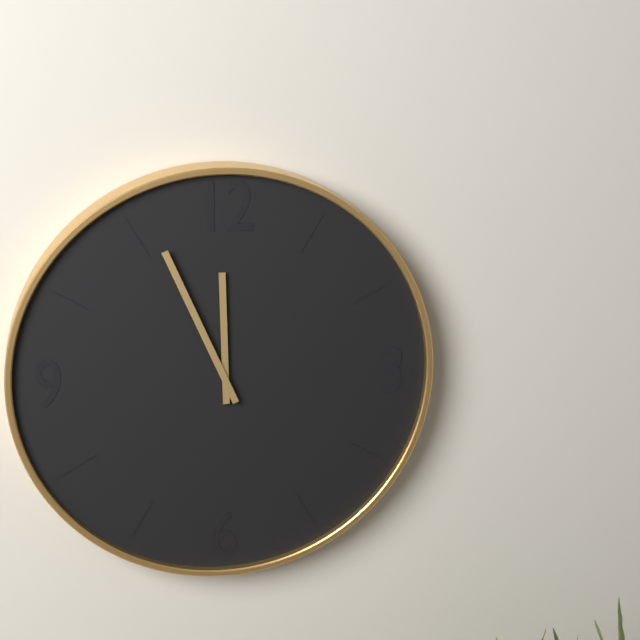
11:56
